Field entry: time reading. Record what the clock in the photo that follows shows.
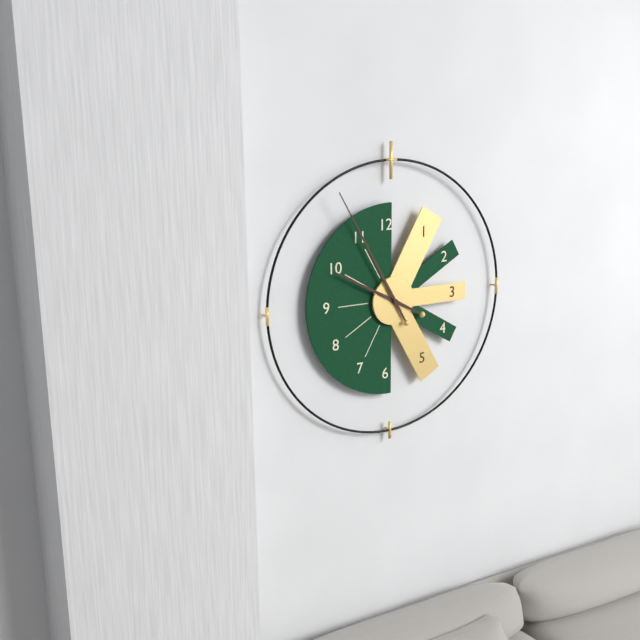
9:55
